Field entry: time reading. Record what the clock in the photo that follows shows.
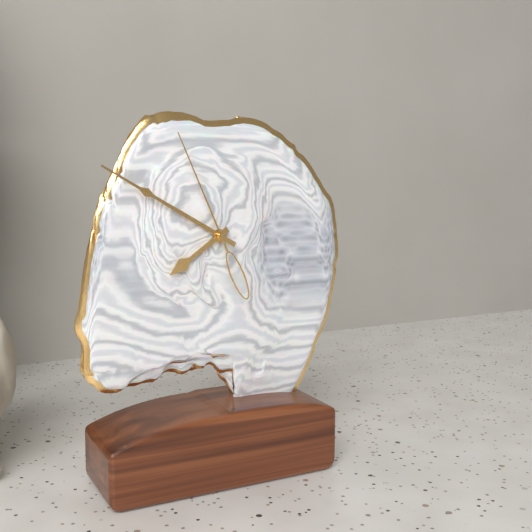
7:50:56
